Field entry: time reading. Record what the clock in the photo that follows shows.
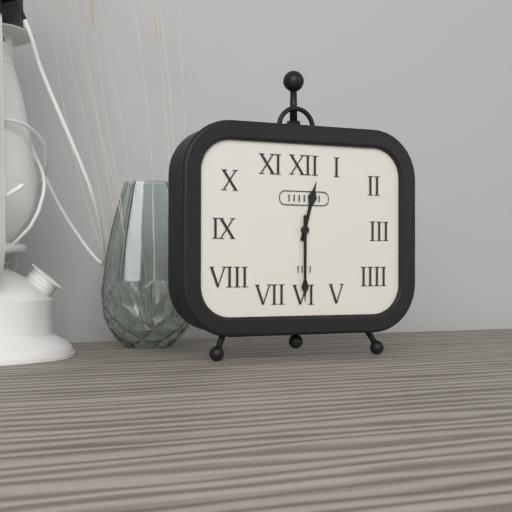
12:30
